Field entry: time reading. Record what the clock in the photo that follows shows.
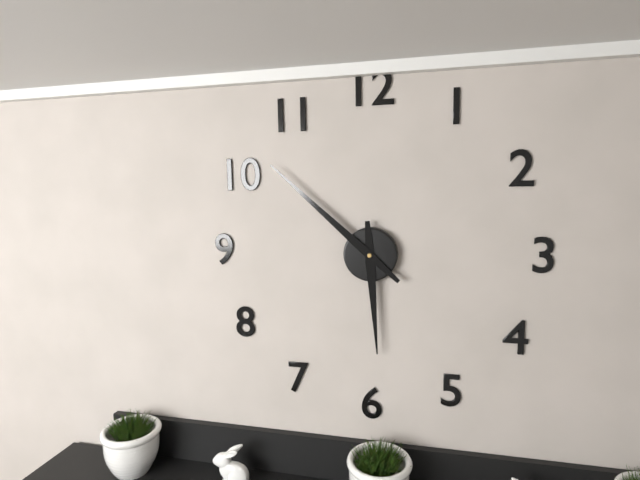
5:52
